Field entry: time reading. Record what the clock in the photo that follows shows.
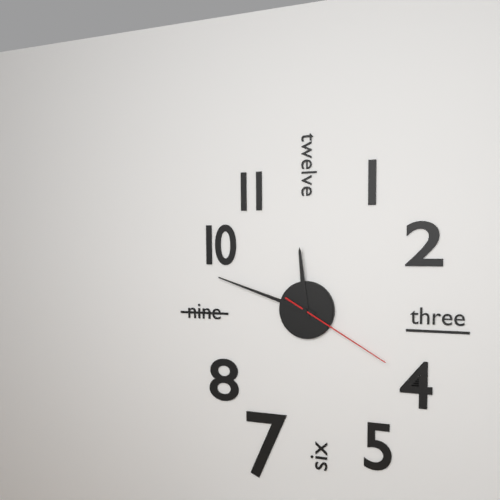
11:48:20
